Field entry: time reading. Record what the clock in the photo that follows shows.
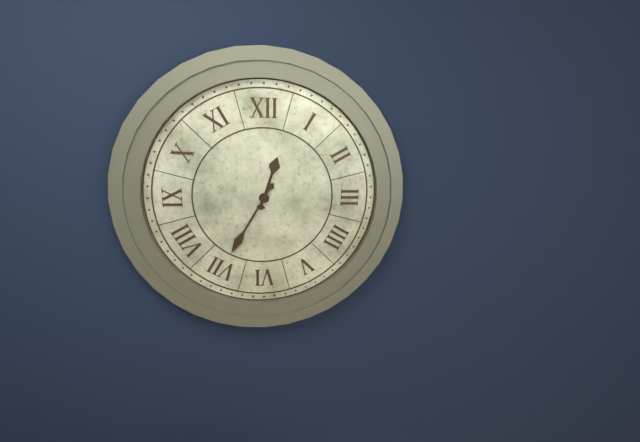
12:35
